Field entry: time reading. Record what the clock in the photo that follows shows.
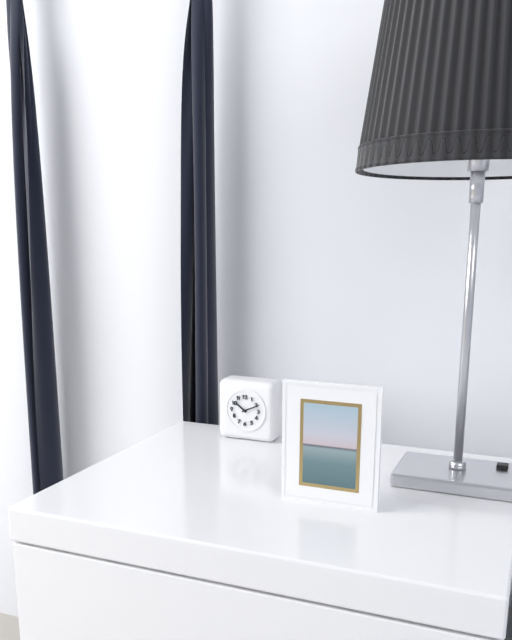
10:11
